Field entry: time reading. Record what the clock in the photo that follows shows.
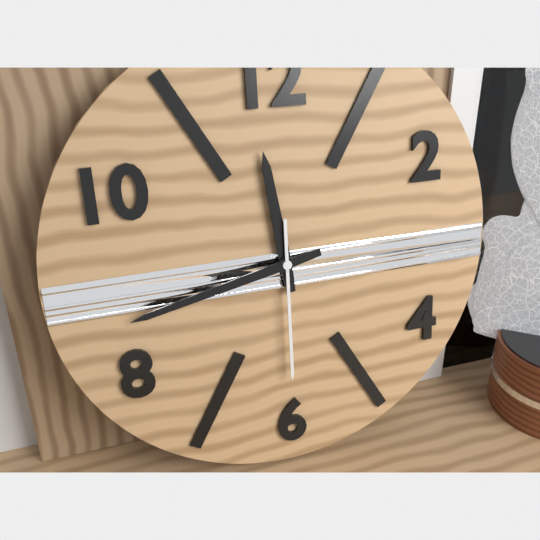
11:43:30
